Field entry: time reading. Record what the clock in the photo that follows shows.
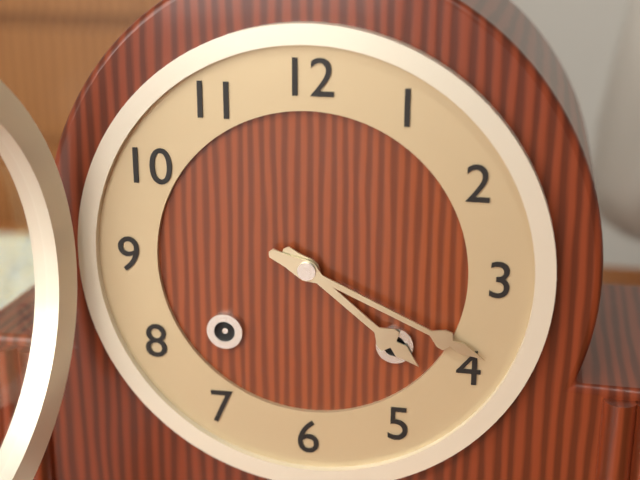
4:19
